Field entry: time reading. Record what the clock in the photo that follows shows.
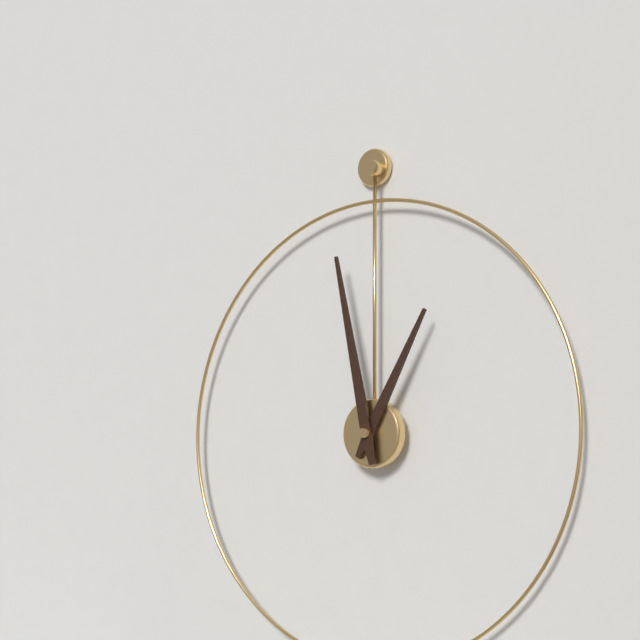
12:58
